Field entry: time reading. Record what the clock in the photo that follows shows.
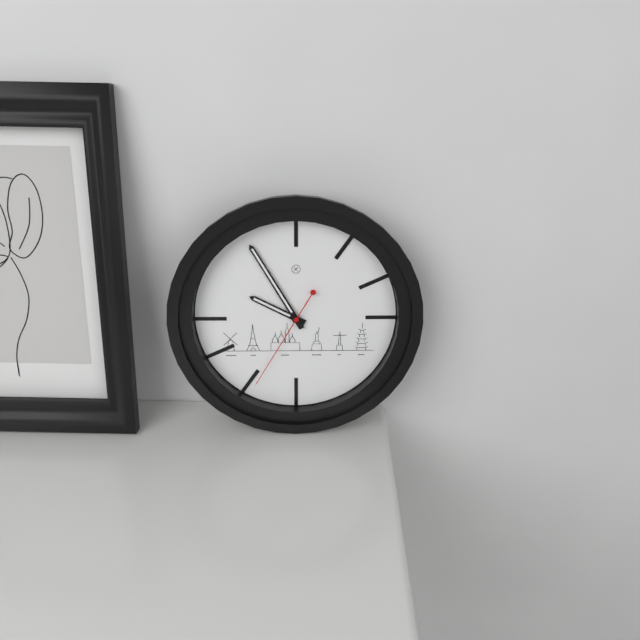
9:55:35
